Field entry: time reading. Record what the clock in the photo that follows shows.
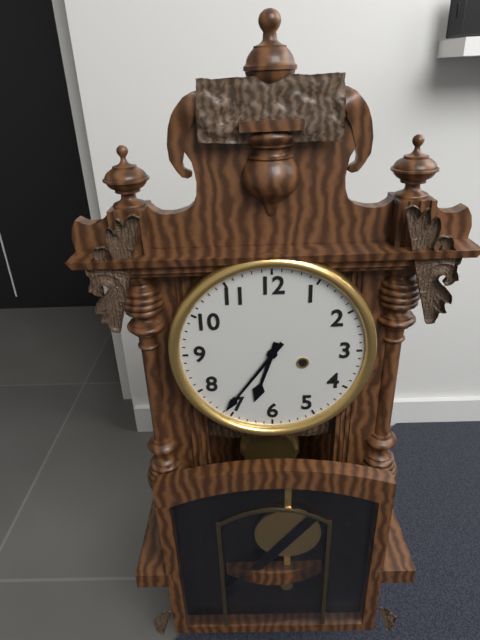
6:36
